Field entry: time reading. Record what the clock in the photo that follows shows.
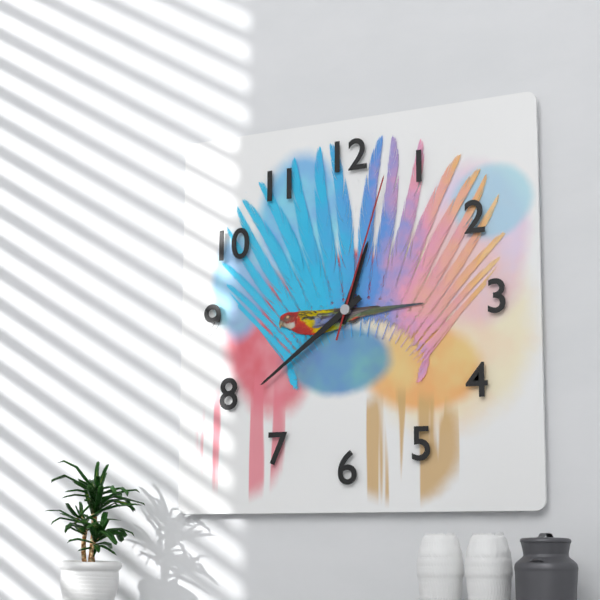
12:39:03
